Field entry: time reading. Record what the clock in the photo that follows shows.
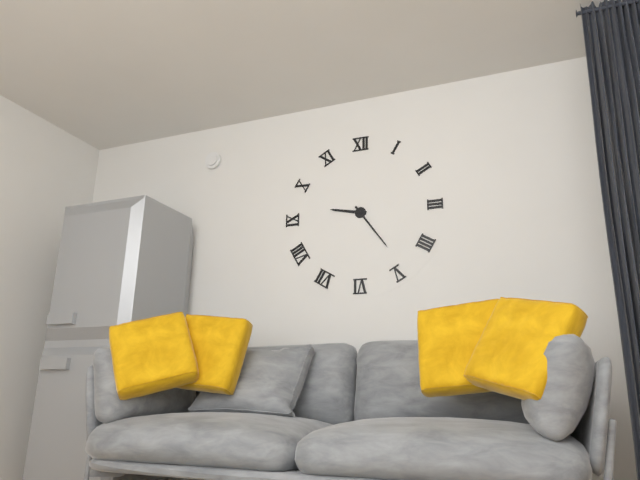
9:24
